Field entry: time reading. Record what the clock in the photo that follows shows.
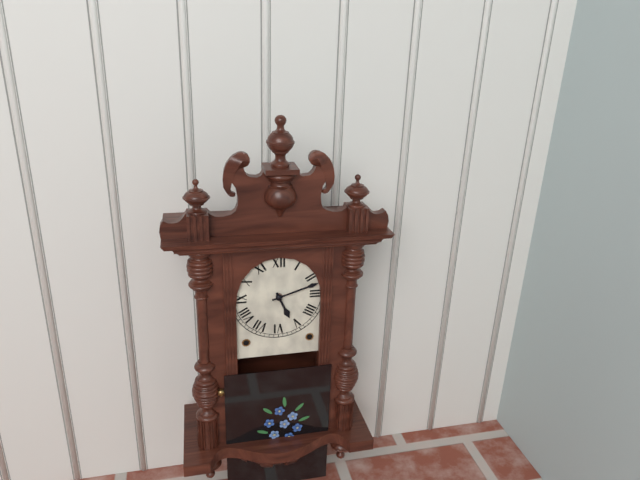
5:12
